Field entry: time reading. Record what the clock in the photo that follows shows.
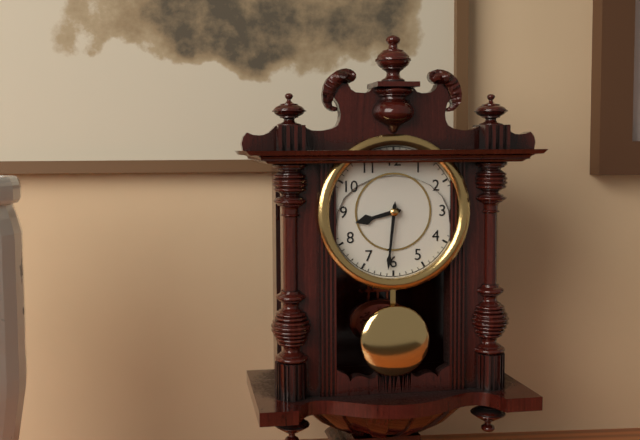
8:31
